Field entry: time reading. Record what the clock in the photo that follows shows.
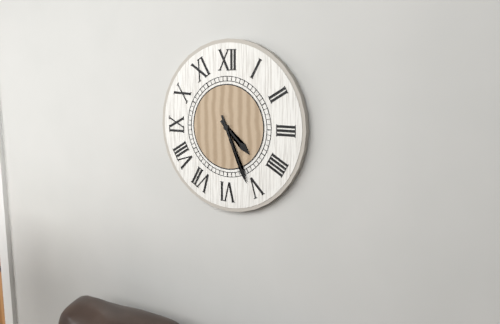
4:26
